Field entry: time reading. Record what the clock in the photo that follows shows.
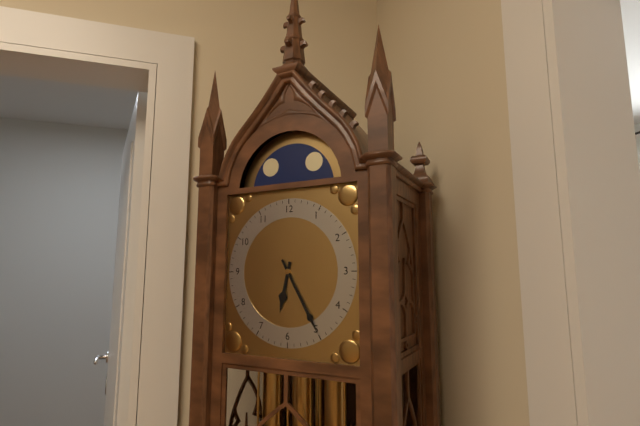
6:25
